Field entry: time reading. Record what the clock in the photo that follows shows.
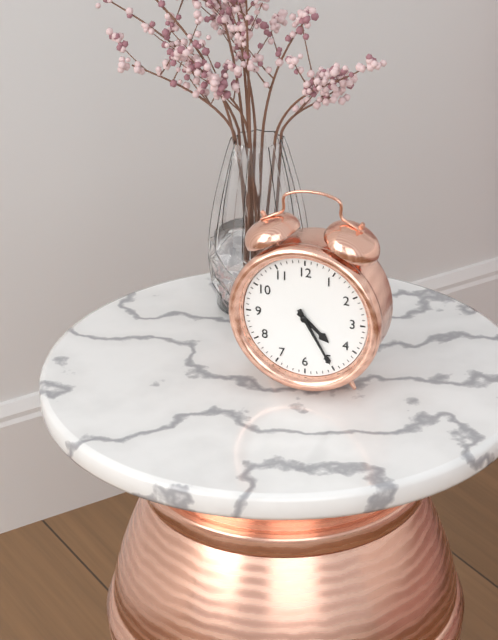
4:25
